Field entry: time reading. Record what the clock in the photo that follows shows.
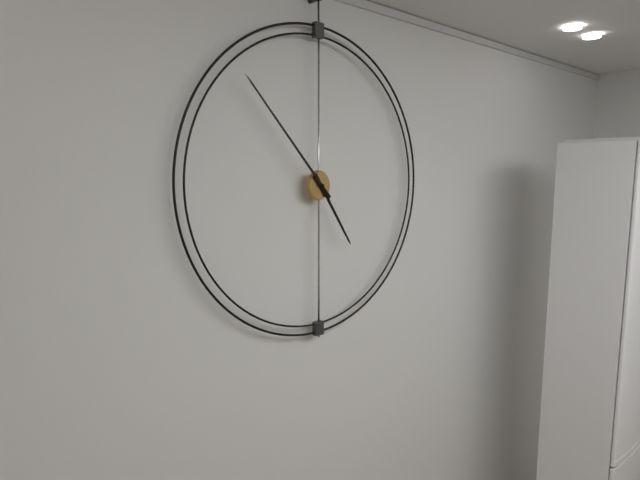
4:53
